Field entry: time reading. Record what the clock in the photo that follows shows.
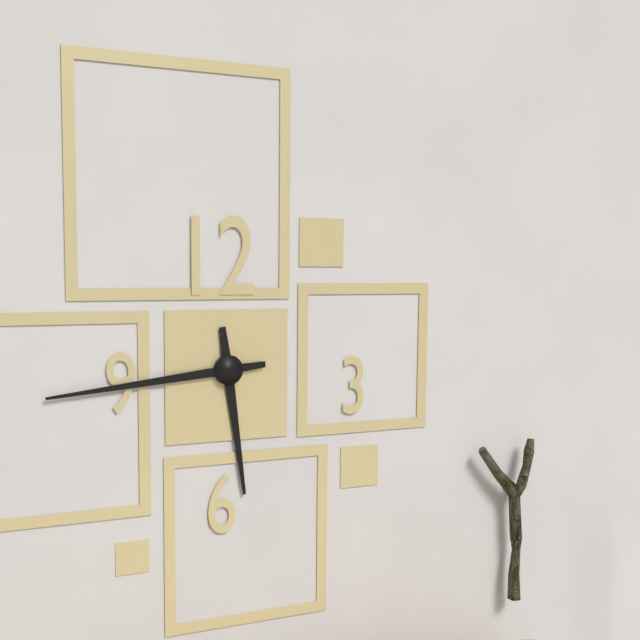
5:44
